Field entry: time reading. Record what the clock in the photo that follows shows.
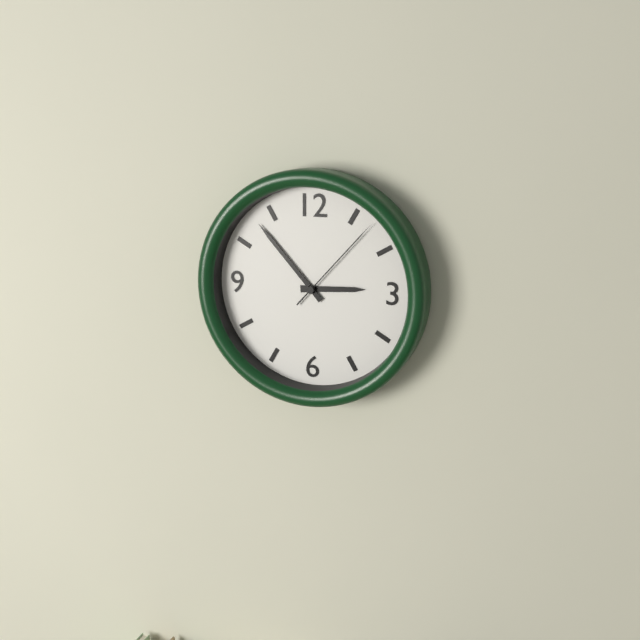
2:53:07
